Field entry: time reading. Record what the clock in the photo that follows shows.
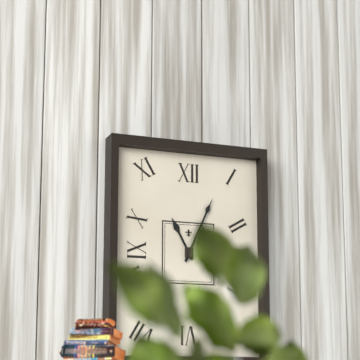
11:04
